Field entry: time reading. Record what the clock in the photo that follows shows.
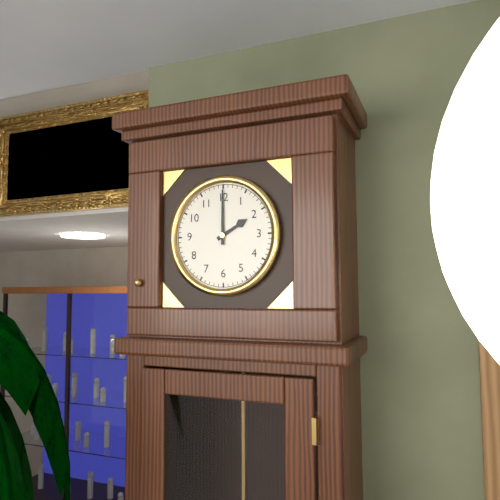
2:00
